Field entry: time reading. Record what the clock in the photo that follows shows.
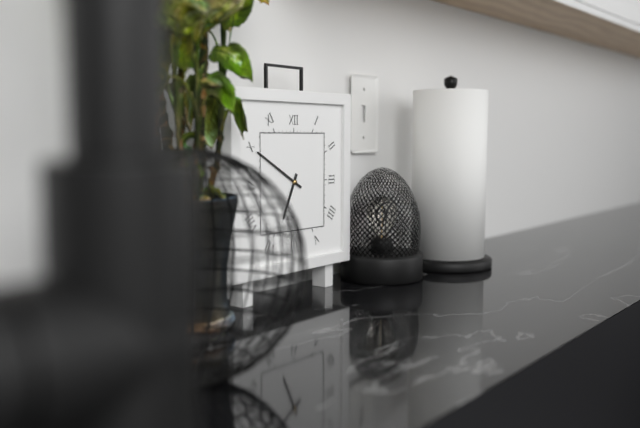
6:50
